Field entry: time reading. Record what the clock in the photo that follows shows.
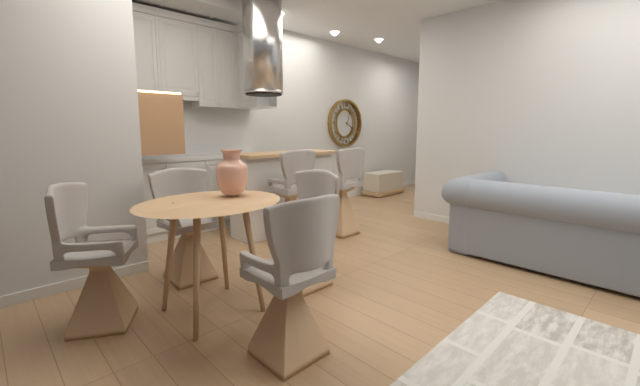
4:03
